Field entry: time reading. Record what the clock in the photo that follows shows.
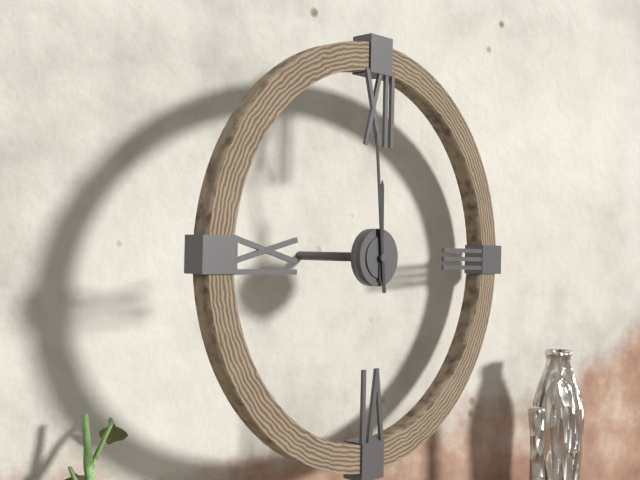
11:59
